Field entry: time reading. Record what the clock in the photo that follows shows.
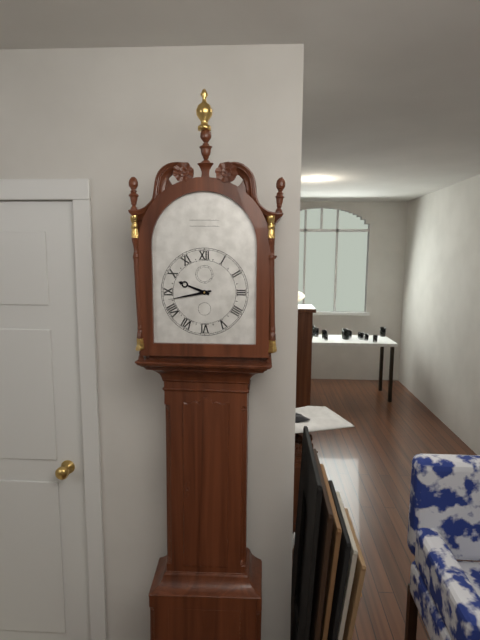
9:43
